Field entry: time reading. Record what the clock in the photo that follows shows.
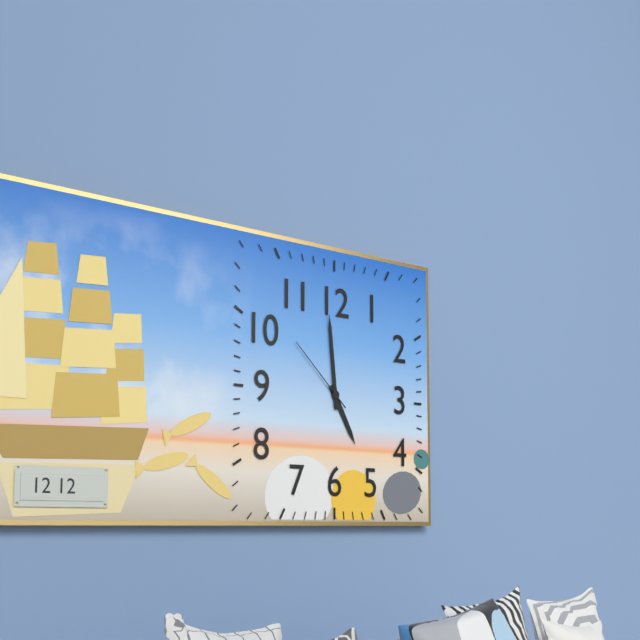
4:59:52
